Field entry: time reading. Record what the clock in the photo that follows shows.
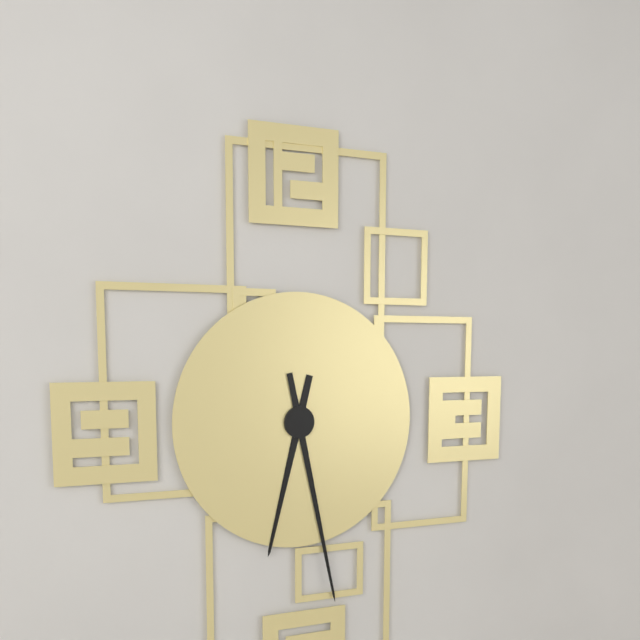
6:28
